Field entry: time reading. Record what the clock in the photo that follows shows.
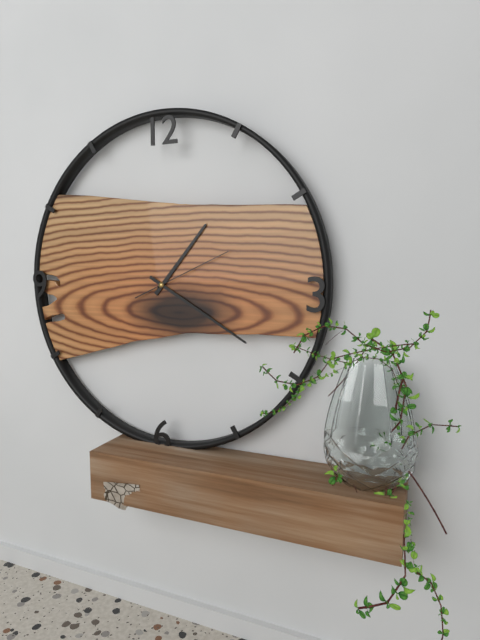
1:20:11
